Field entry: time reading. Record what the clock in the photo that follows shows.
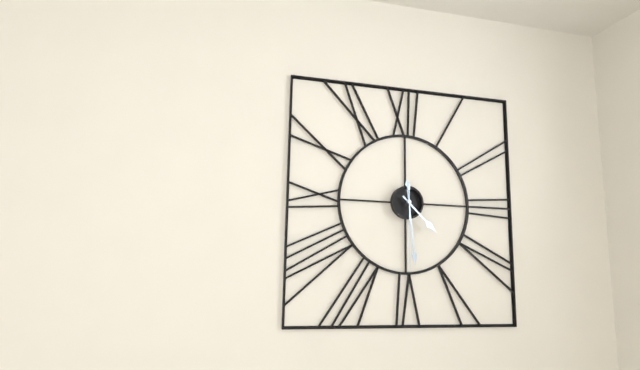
4:29:30
